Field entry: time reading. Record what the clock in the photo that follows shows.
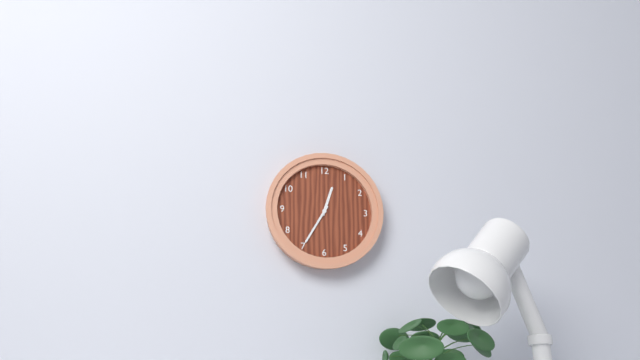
12:35
